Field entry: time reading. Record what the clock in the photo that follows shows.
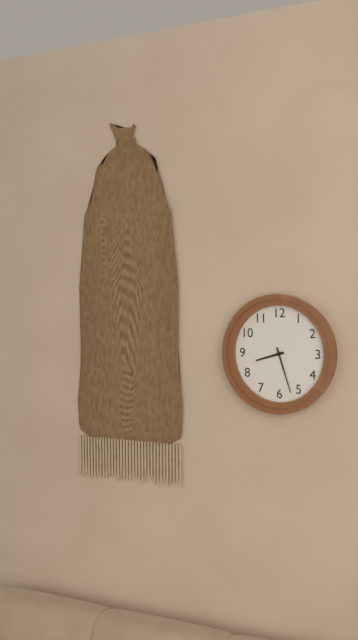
8:27
